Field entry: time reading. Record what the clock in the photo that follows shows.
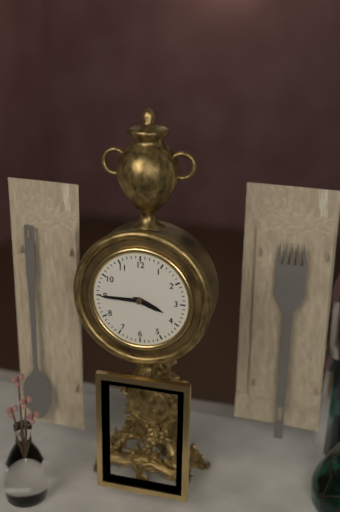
3:45
